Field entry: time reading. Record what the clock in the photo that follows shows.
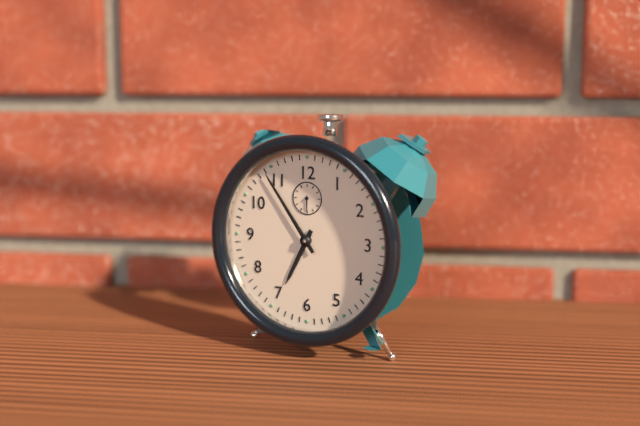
6:54
